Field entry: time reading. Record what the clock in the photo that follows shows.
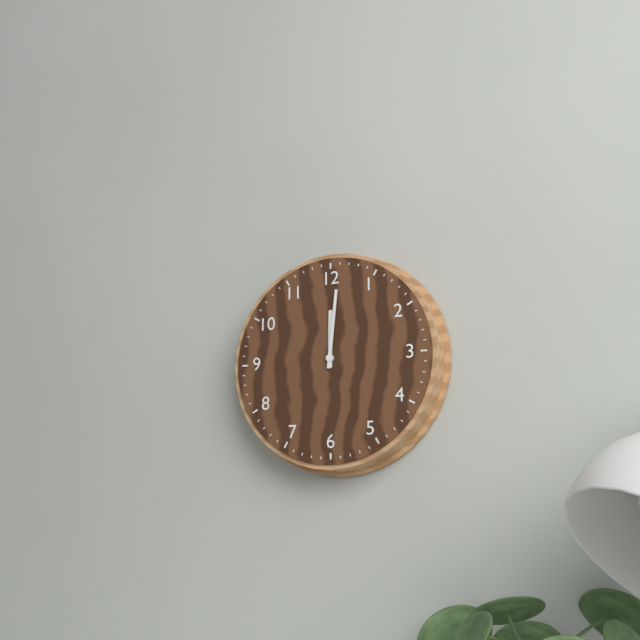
12:01
